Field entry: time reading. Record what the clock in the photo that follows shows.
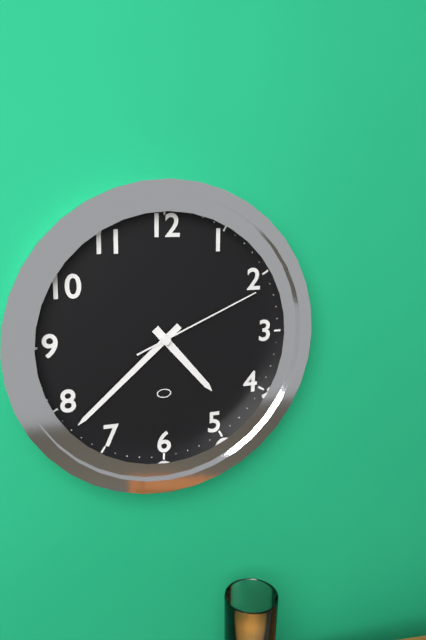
4:38:11
